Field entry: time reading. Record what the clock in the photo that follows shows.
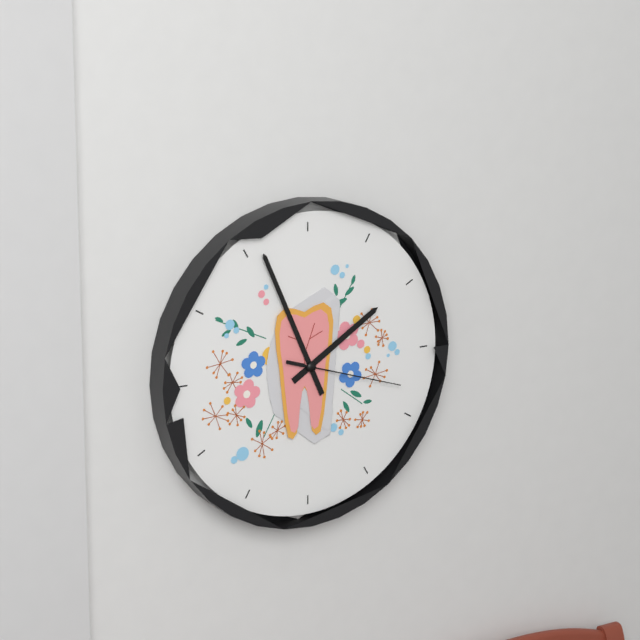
1:56:18
